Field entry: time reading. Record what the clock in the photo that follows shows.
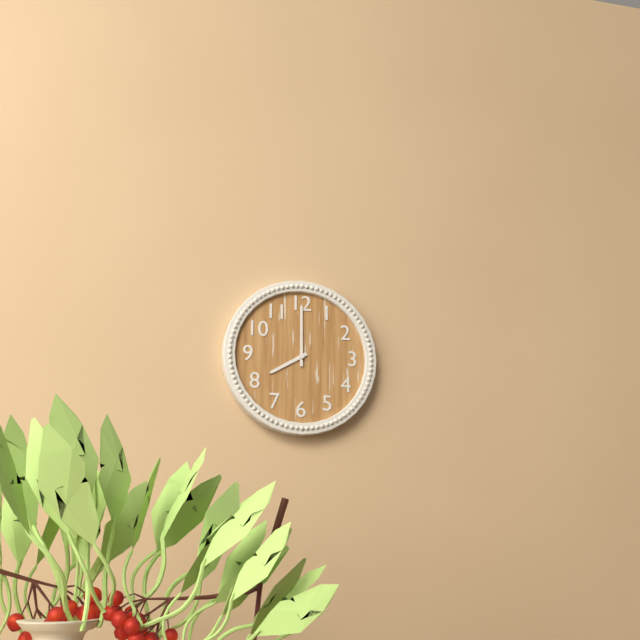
8:00
